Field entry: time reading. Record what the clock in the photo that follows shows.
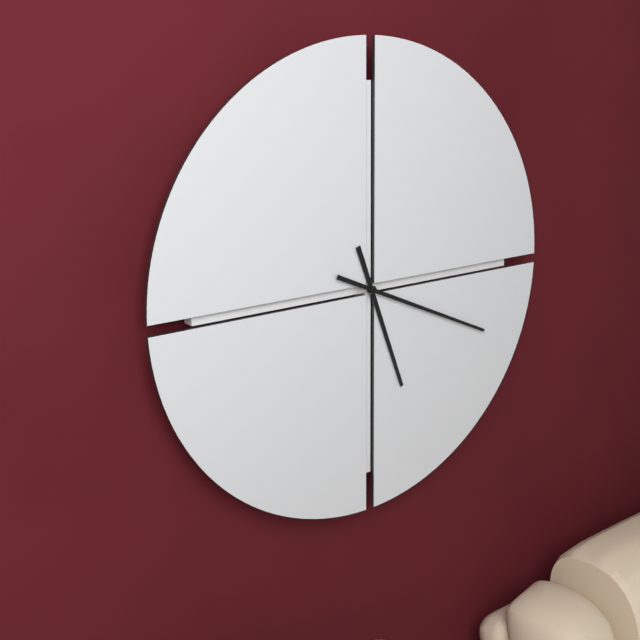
5:19
